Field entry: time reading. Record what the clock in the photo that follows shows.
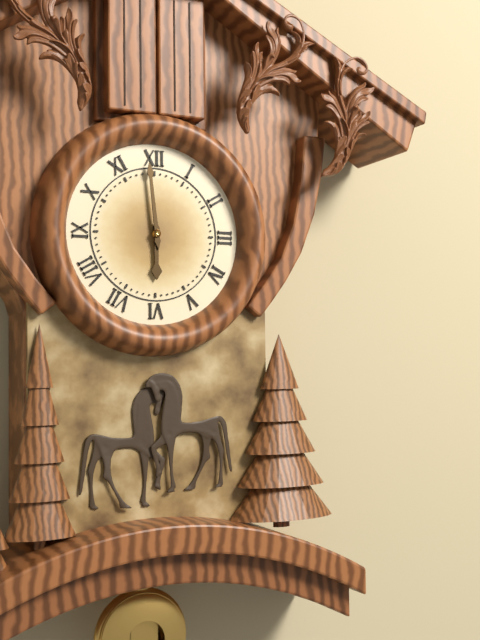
5:59
